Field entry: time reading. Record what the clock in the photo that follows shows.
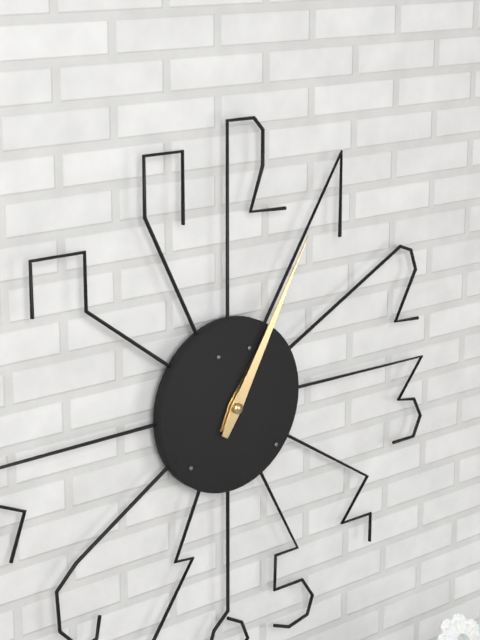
1:05
